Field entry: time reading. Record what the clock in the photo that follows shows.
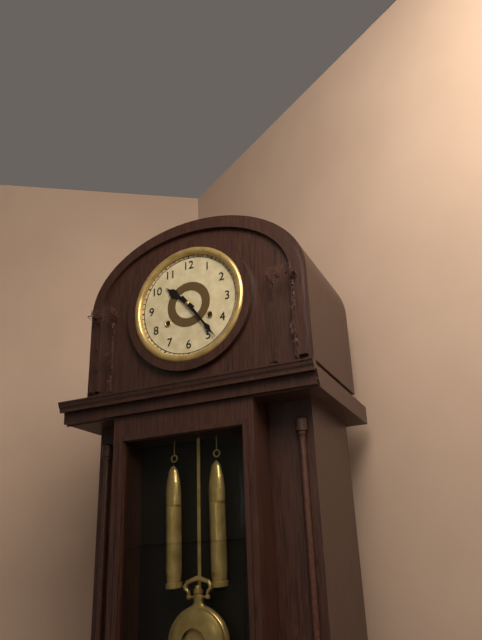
10:24
